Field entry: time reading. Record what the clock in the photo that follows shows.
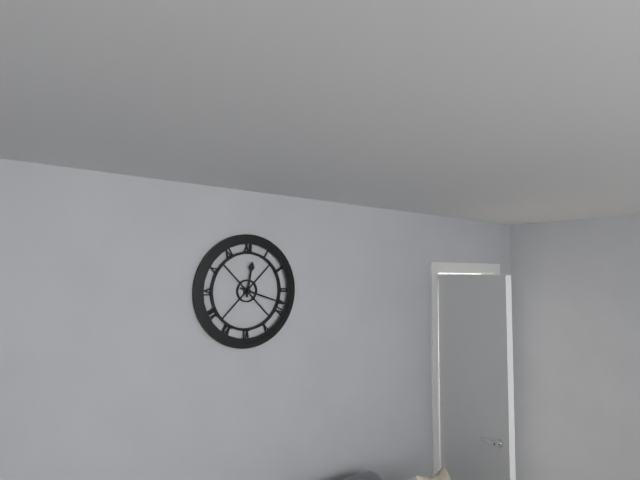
12:18
